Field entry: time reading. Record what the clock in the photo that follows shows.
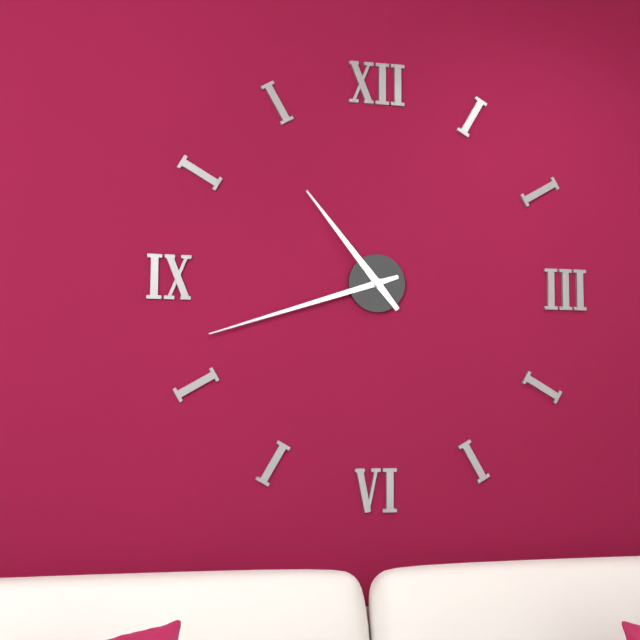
10:42
